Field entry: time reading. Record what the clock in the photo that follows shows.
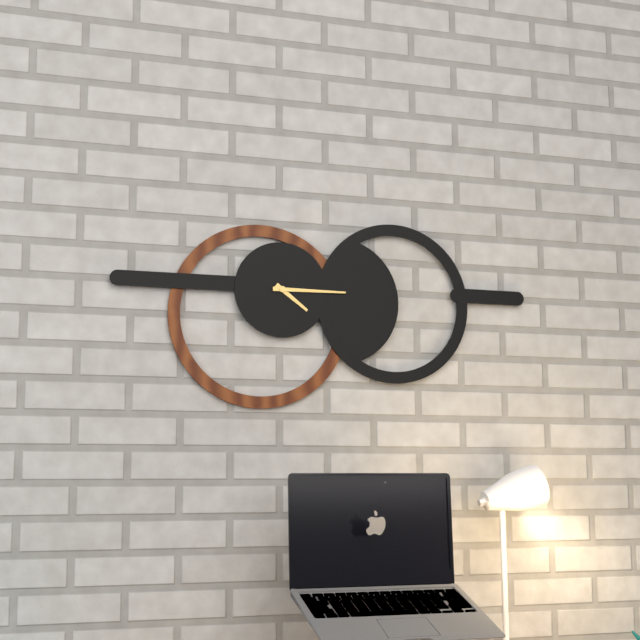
4:15
